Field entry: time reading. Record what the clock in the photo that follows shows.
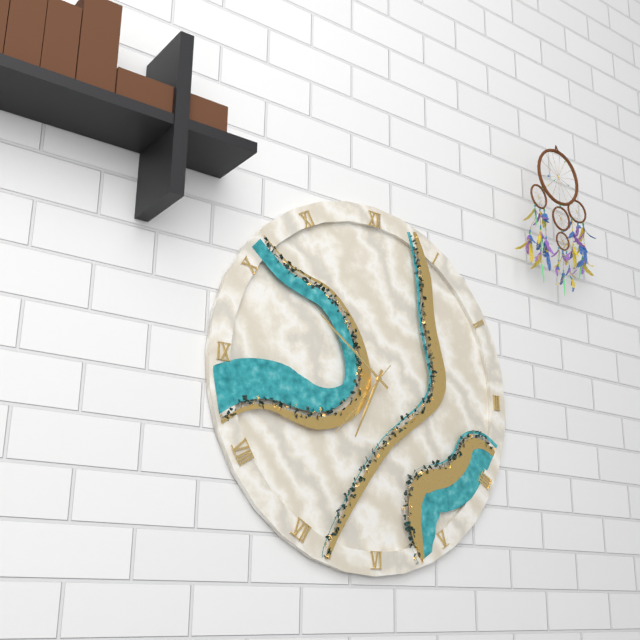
6:51:37
